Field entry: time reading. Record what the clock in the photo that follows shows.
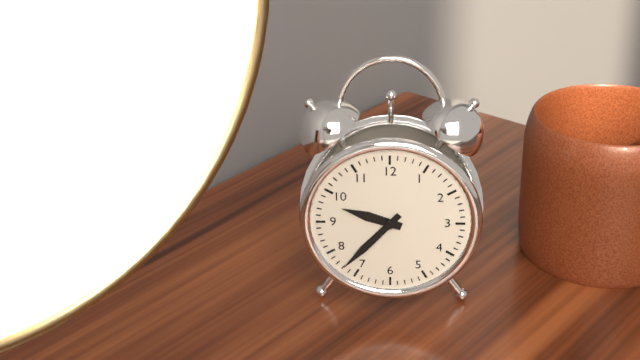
9:37
